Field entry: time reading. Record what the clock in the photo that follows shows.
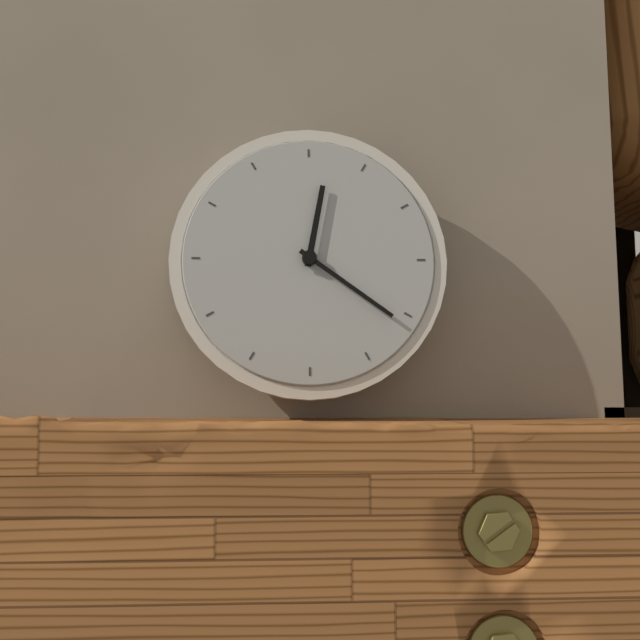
12:21
